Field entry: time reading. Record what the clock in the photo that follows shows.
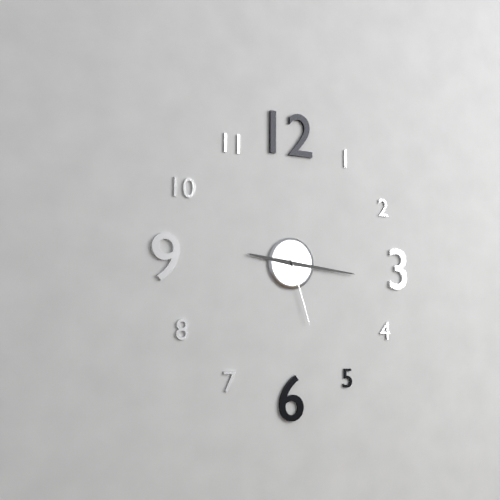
9:16:27
